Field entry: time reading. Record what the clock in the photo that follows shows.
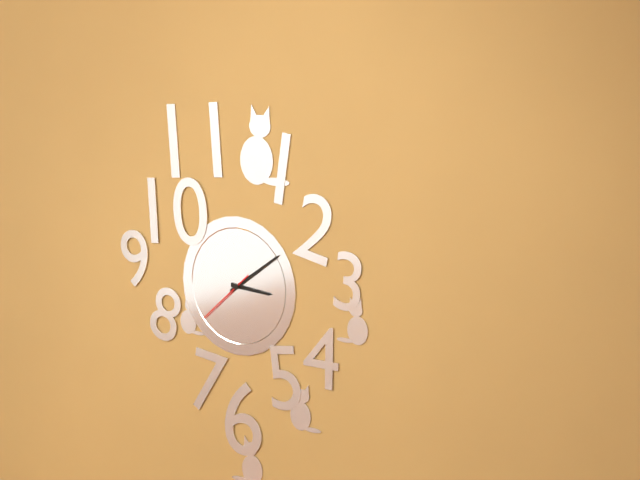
3:09:38
